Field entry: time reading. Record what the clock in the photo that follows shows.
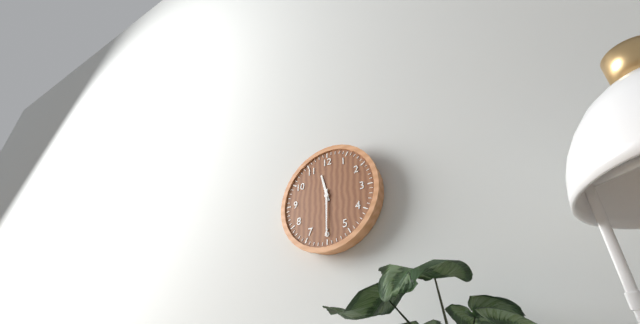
11:30
